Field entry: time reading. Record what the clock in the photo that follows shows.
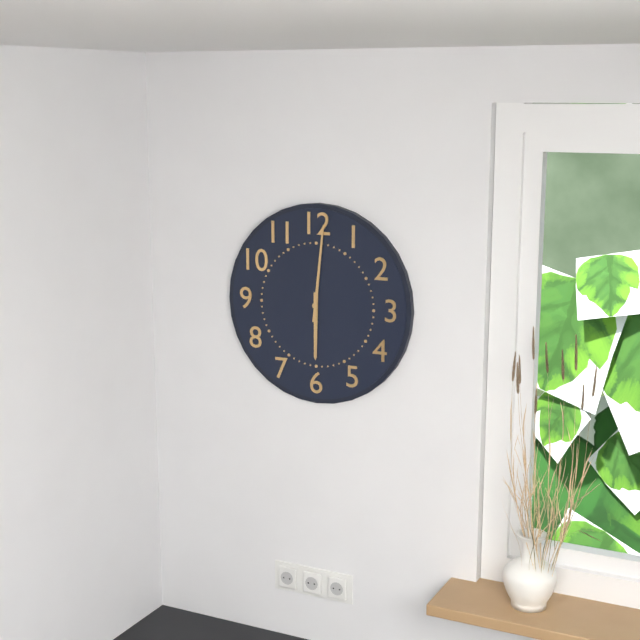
6:01
